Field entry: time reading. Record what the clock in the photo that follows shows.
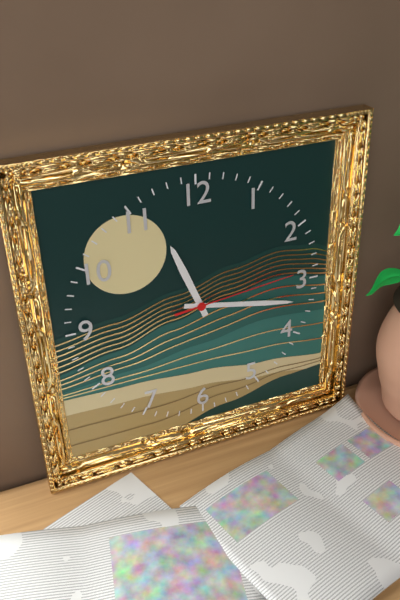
11:17:14
